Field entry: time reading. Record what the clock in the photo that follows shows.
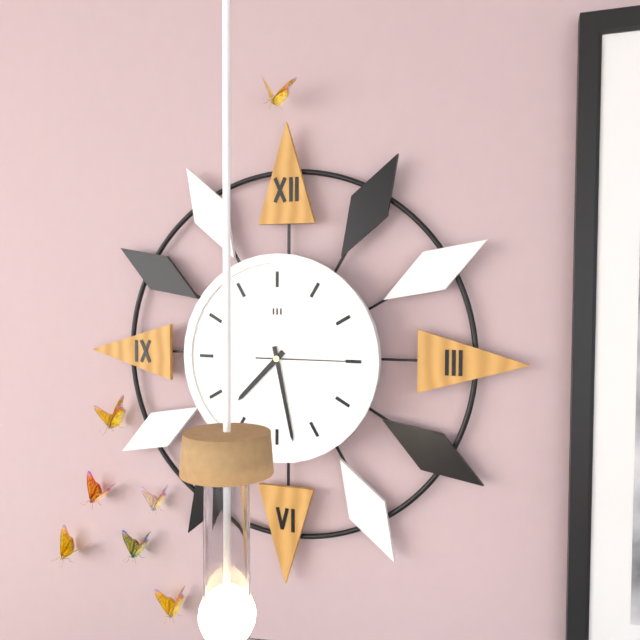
7:28:15
